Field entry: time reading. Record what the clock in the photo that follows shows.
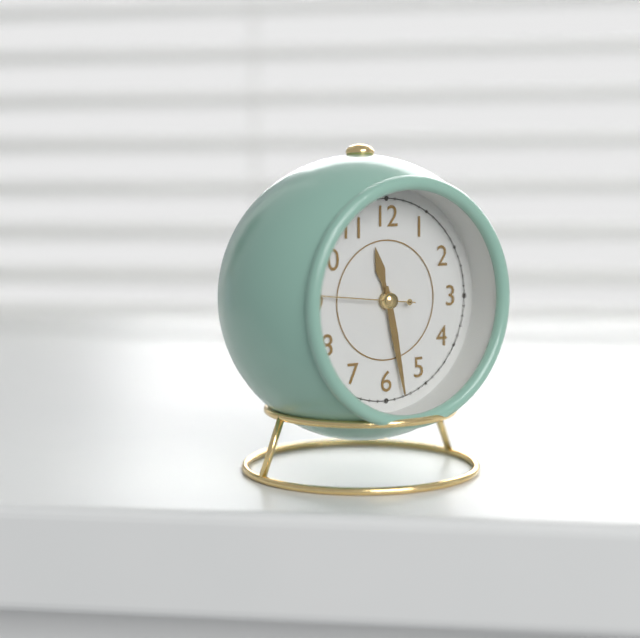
11:28:46
